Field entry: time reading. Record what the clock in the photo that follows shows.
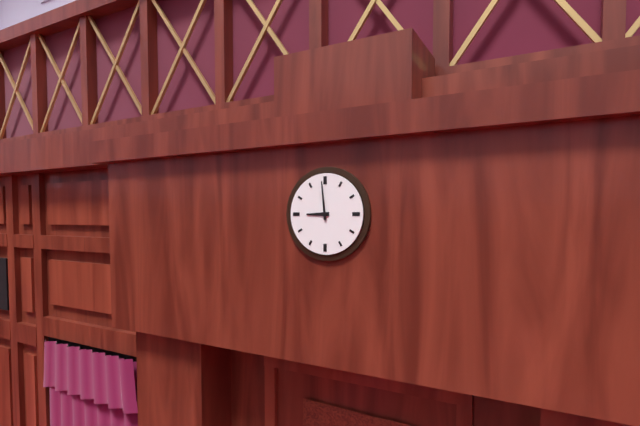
8:59
